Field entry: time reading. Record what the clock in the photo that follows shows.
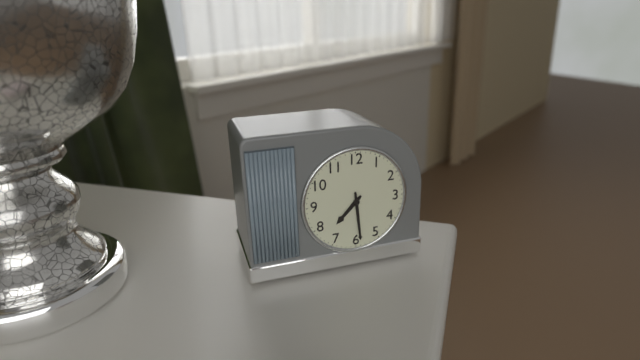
7:29
